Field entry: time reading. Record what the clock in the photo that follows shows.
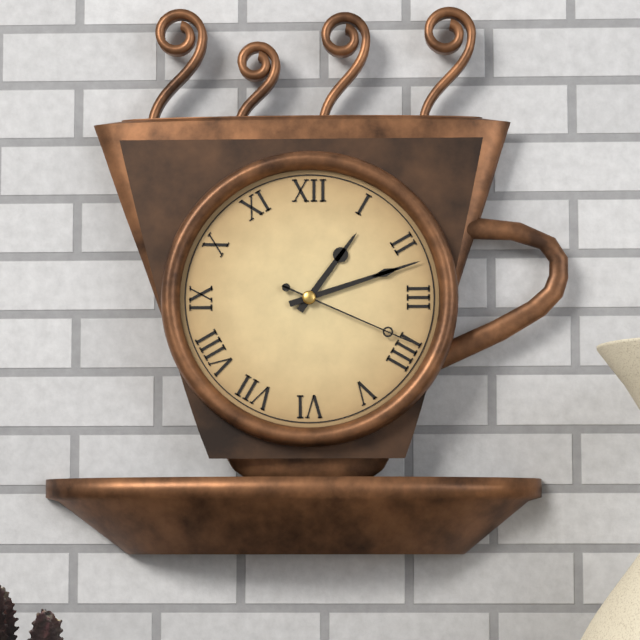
1:12:19
